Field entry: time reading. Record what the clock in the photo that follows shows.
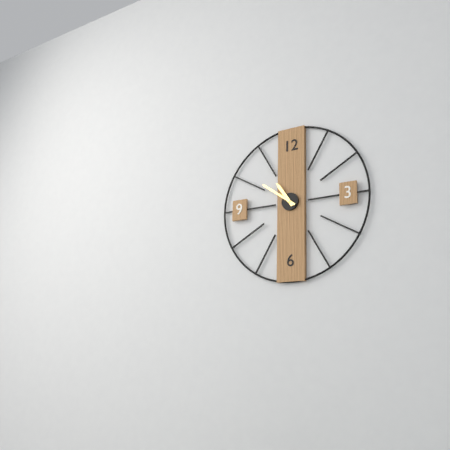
10:51
